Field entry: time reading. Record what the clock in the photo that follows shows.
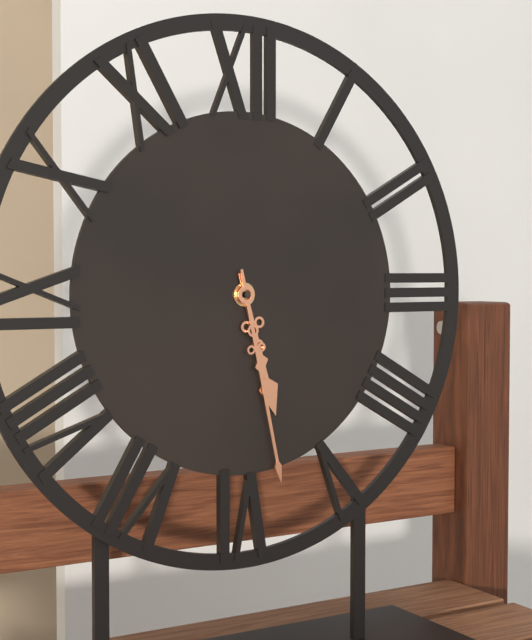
5:28
